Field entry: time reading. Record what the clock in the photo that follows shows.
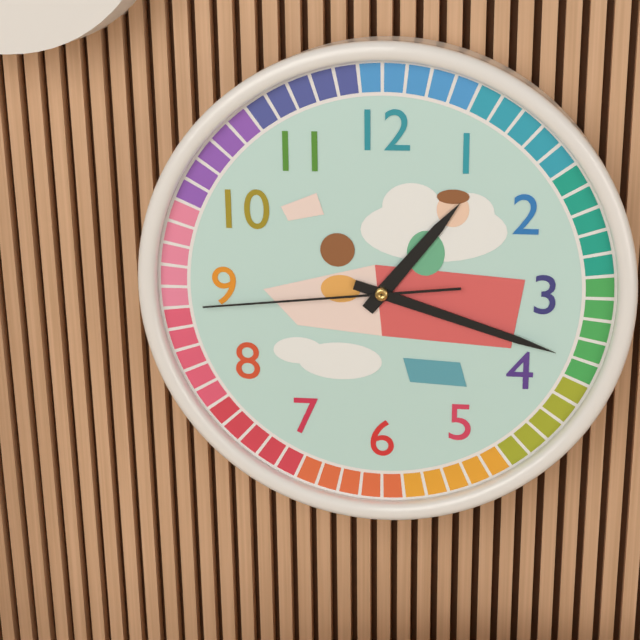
1:18:44
